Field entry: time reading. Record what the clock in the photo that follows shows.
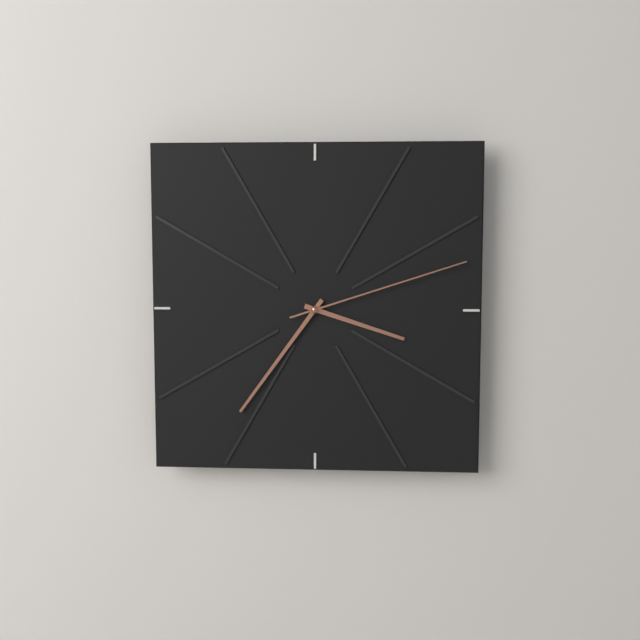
3:36:12
